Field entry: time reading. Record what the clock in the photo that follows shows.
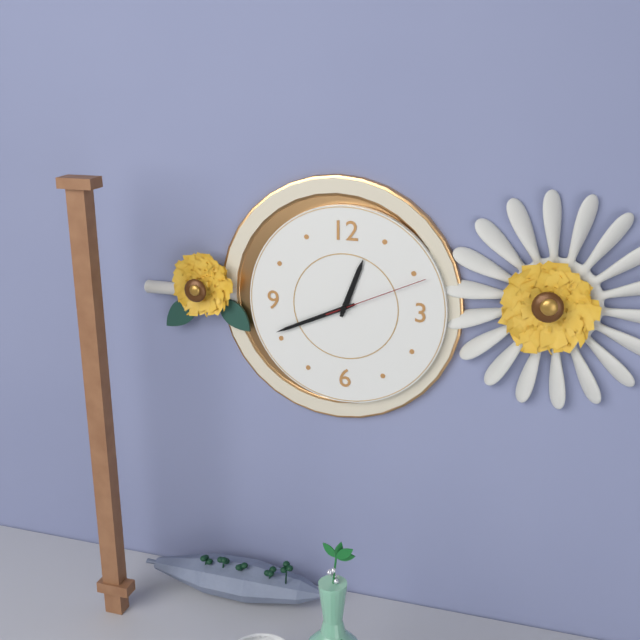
12:41:11
